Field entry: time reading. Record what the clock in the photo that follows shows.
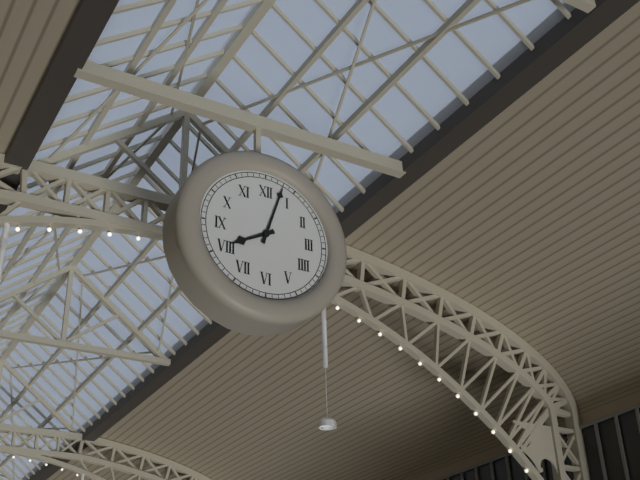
8:03
